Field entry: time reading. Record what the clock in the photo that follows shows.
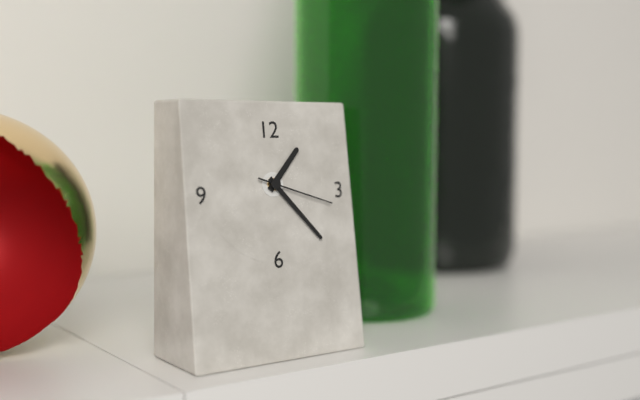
1:23:18
